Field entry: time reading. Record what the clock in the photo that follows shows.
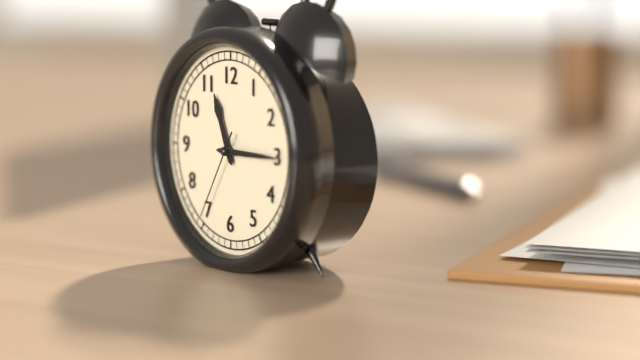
11:15:35
